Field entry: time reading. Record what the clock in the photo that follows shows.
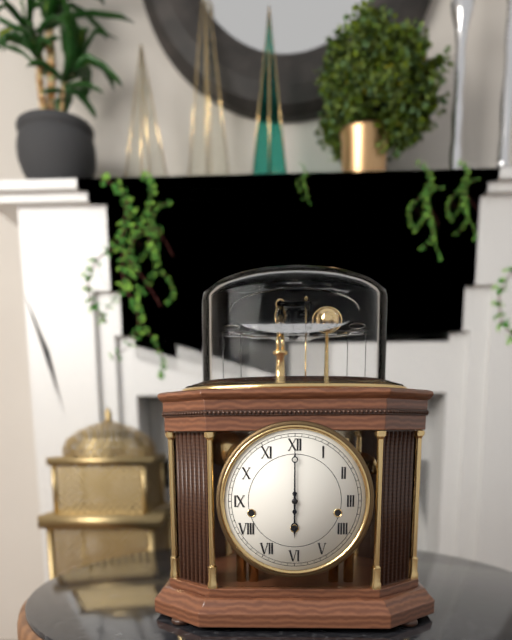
6:00
